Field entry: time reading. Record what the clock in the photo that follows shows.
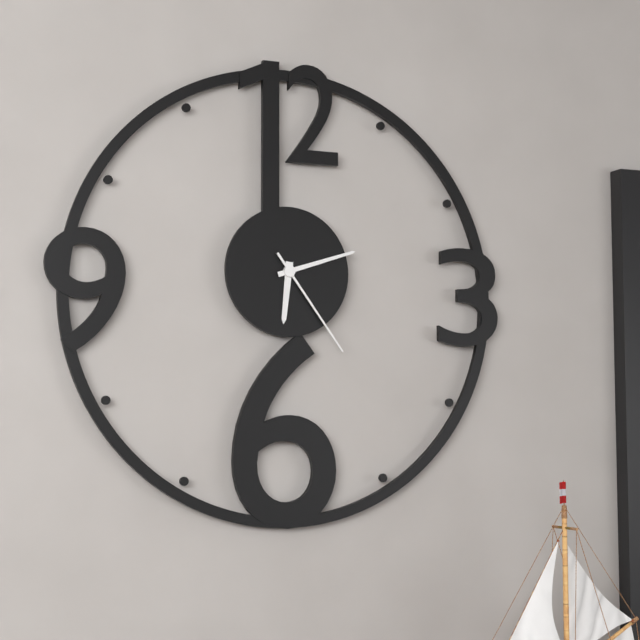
6:12:24
